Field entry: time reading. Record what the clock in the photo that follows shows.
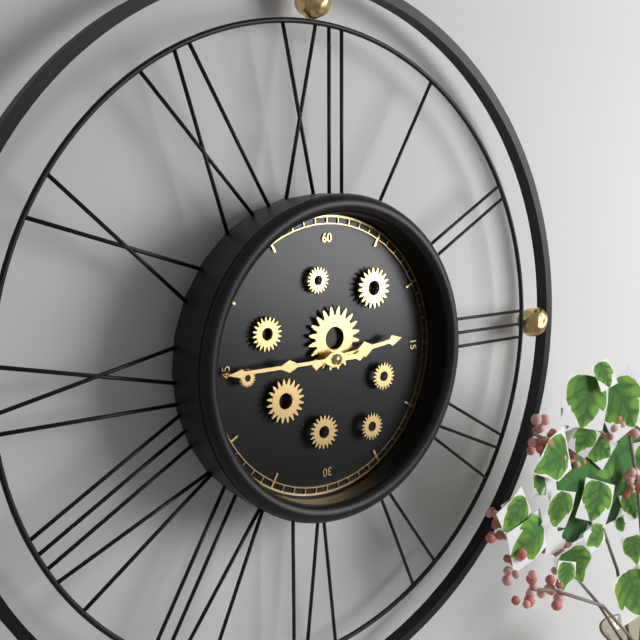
2:45
